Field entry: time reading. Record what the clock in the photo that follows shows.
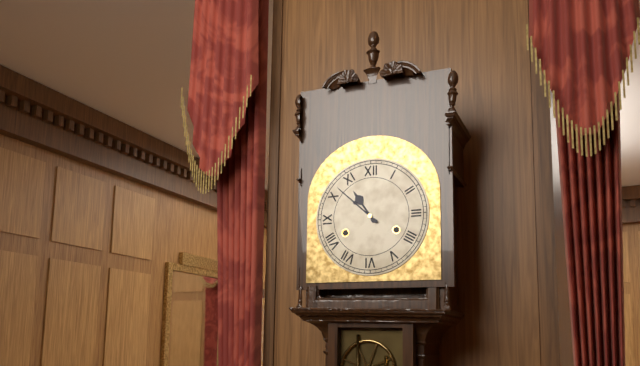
10:52
